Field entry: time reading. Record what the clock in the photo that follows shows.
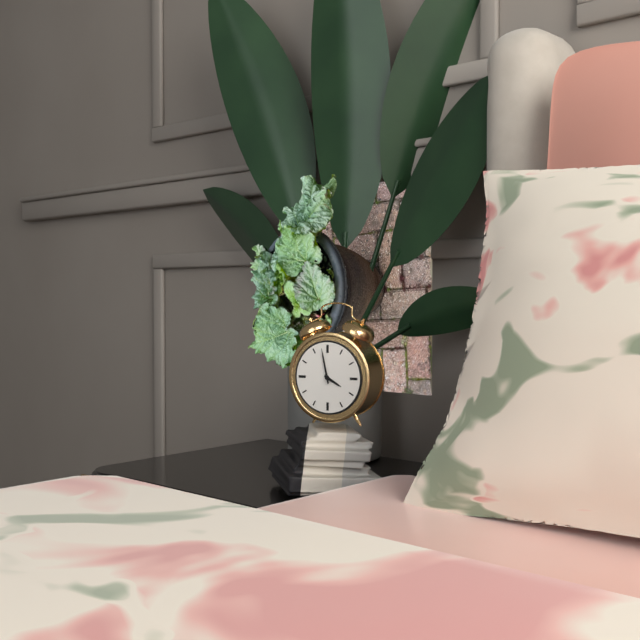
3:58
